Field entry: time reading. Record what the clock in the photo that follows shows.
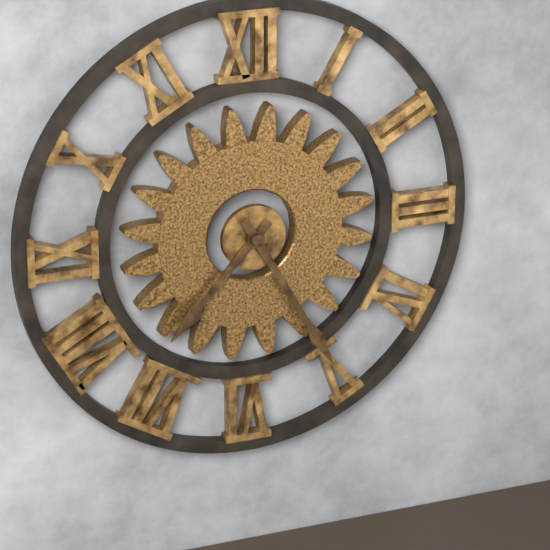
7:25
